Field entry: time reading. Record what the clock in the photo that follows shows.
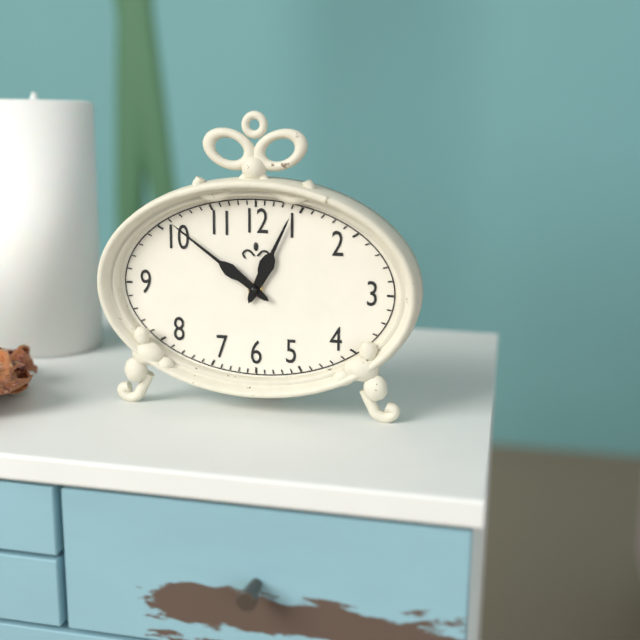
12:51
